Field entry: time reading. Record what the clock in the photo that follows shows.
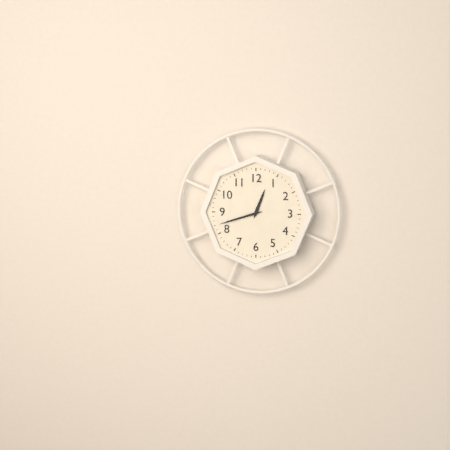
12:42
